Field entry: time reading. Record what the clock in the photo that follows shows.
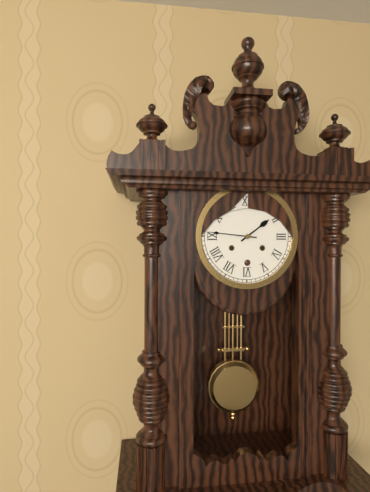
1:46
